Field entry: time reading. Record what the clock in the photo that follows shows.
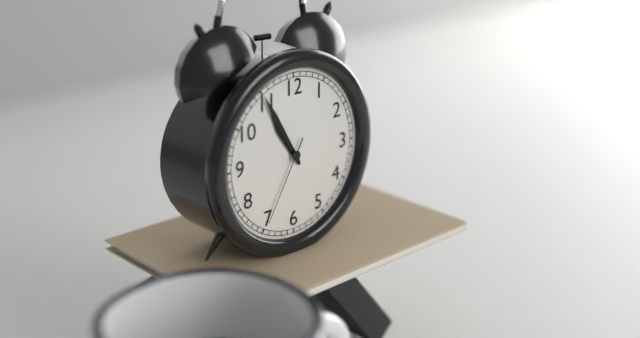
10:55:35
